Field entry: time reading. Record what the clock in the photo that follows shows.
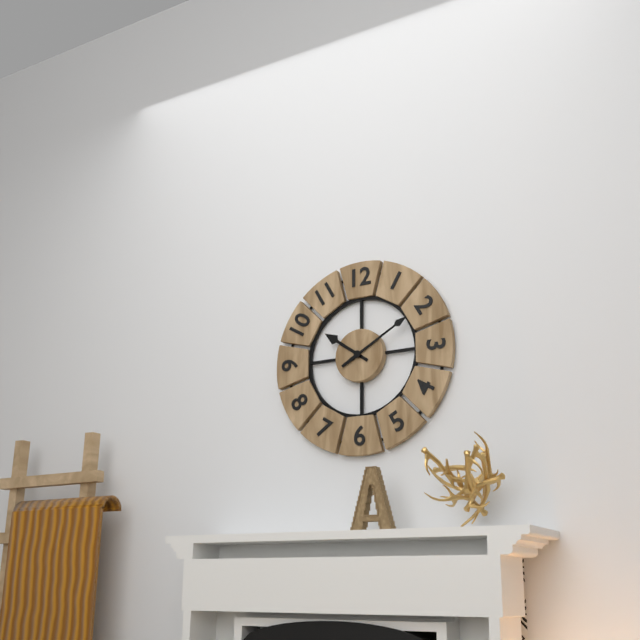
10:10
